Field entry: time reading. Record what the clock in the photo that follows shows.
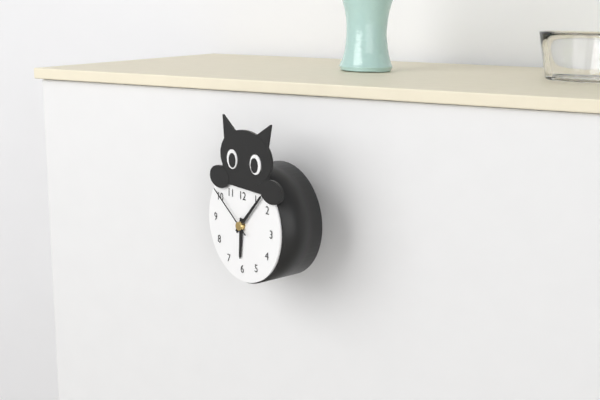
6:07:51
